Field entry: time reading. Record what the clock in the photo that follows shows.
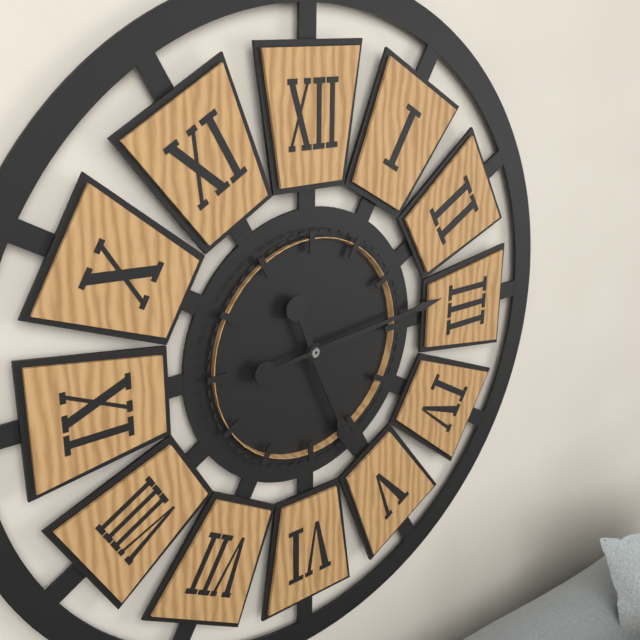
5:14
